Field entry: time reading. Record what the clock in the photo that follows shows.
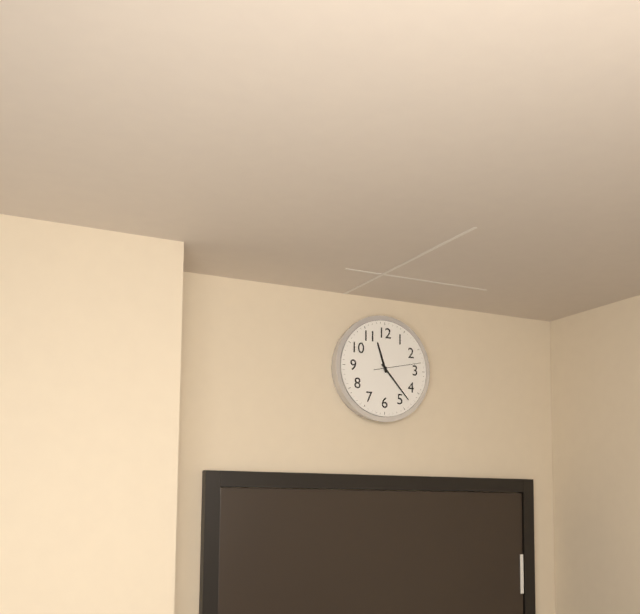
11:23
